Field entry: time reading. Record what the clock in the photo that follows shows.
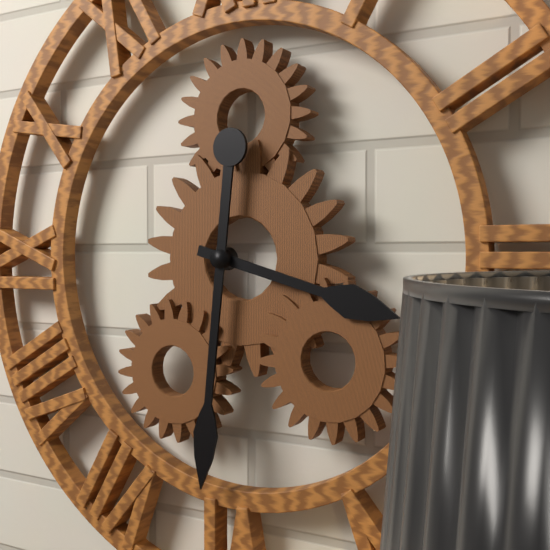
3:31
